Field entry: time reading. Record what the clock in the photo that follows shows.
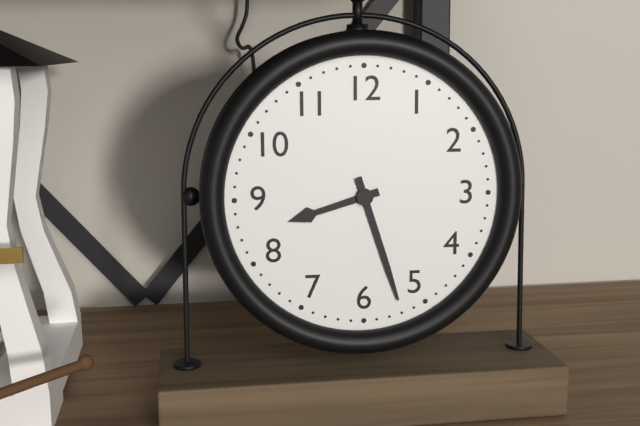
8:27
